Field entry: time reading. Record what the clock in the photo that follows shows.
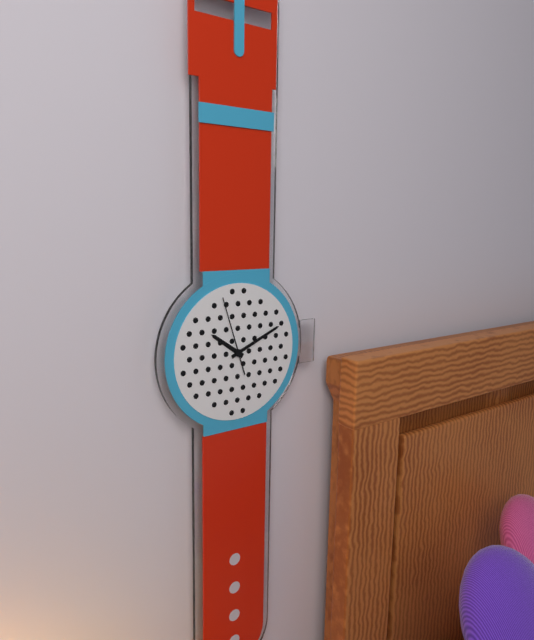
10:11:57
